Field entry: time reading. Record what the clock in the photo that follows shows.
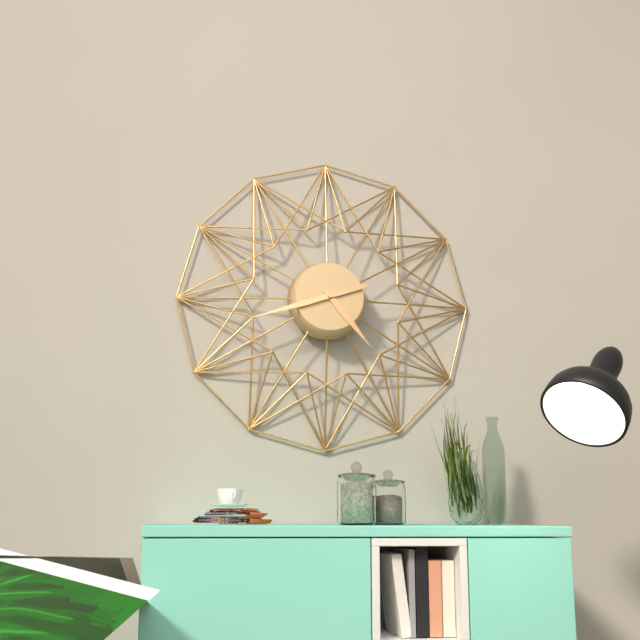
4:42
